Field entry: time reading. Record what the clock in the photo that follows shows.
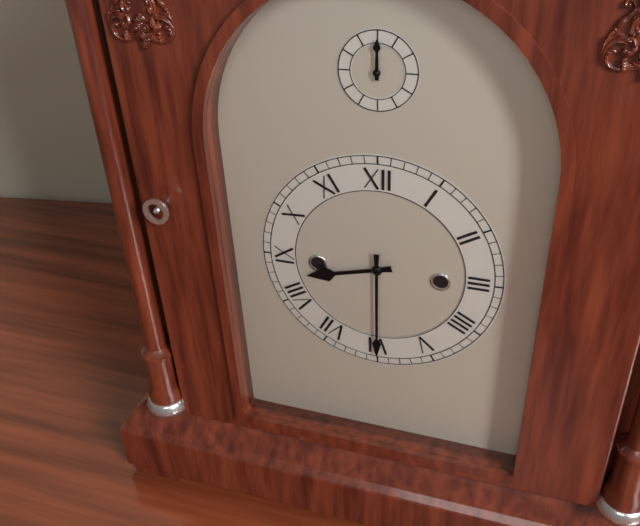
8:30
